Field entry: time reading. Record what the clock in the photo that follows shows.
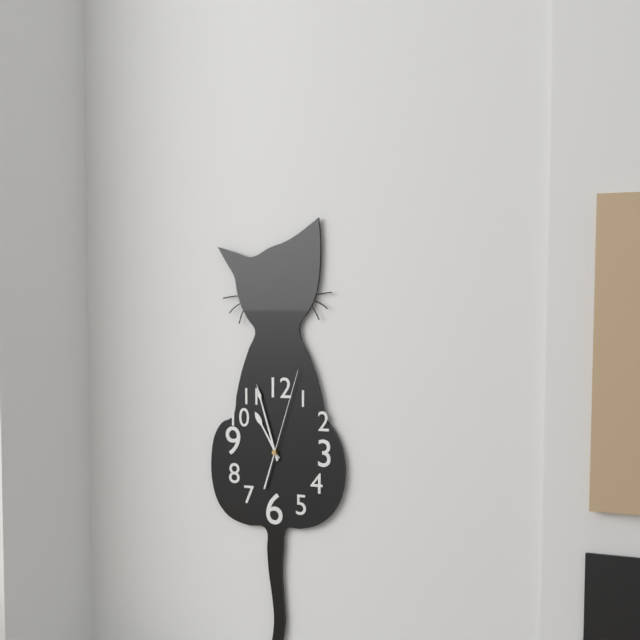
10:57:03
